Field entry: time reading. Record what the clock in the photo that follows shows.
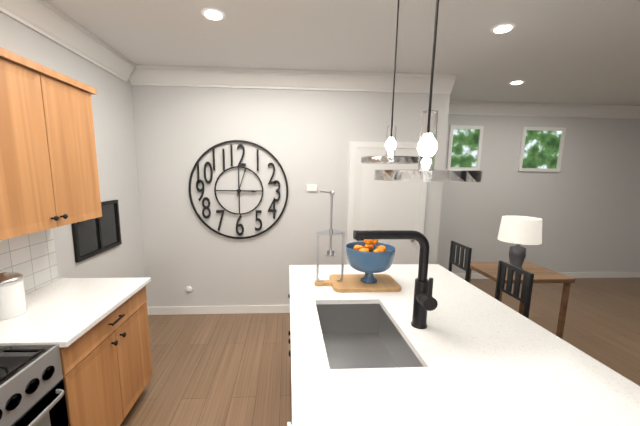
3:03
